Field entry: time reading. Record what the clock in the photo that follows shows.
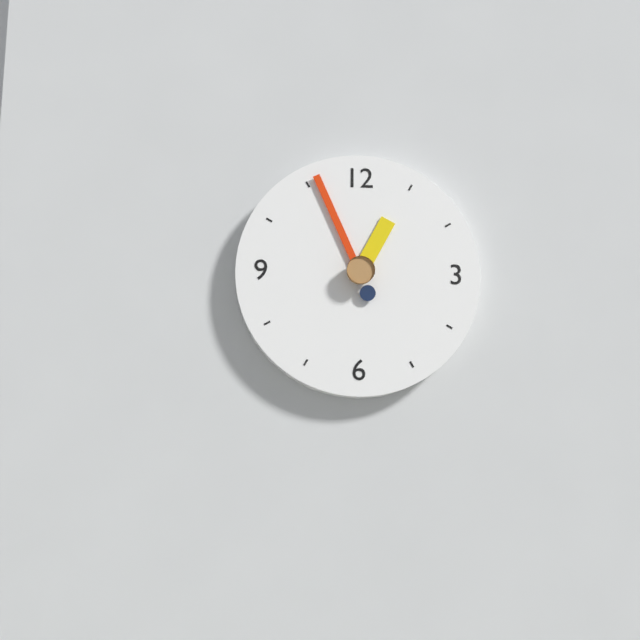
12:56
